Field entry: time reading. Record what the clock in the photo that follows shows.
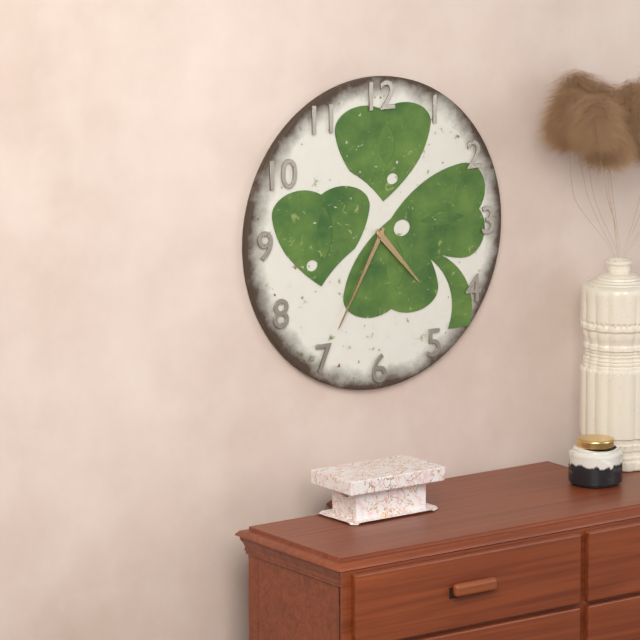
4:35
